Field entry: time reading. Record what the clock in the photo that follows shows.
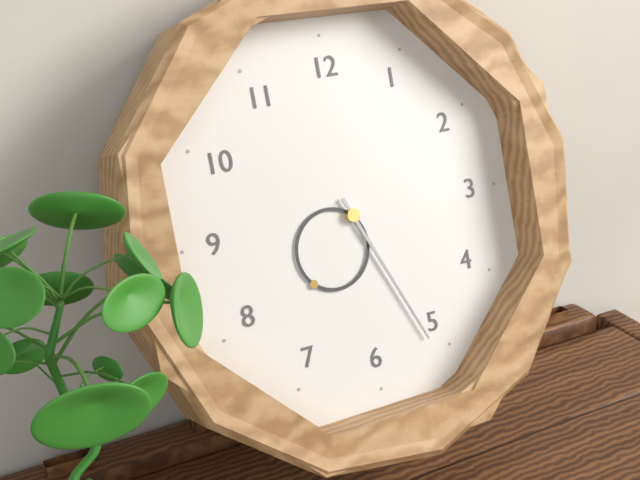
7:26
